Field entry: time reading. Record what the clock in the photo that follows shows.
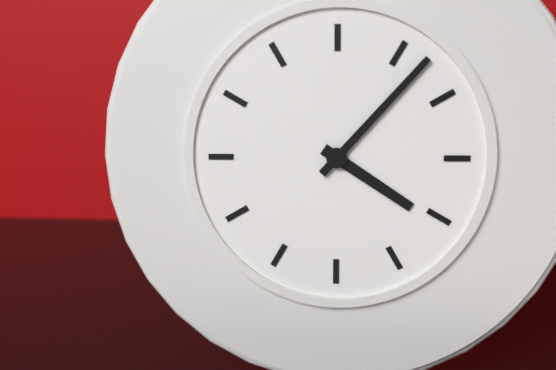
4:07
